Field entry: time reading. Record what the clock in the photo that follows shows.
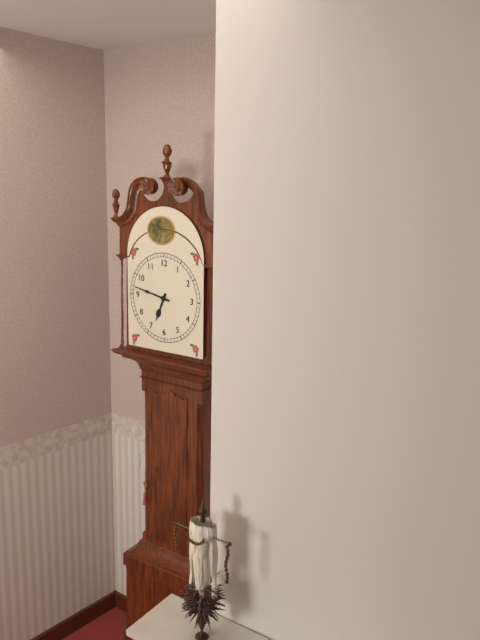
6:47
